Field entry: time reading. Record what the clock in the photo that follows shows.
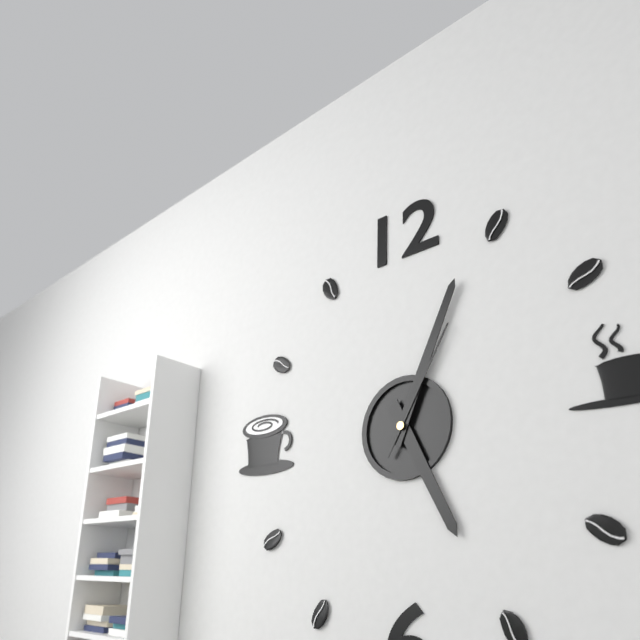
5:04:05
